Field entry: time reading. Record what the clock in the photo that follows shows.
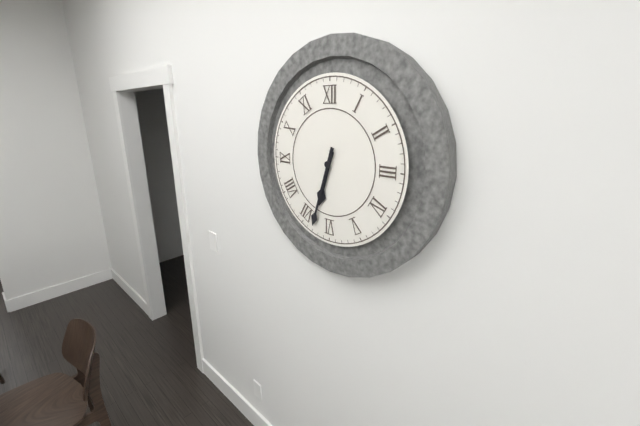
6:33
